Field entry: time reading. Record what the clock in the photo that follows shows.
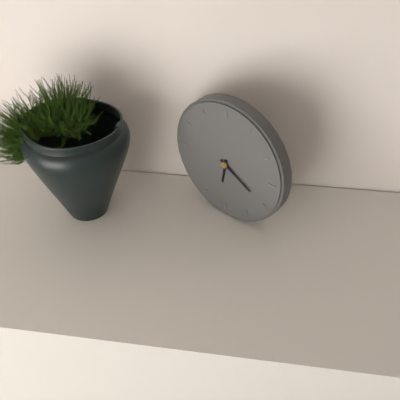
6:20
